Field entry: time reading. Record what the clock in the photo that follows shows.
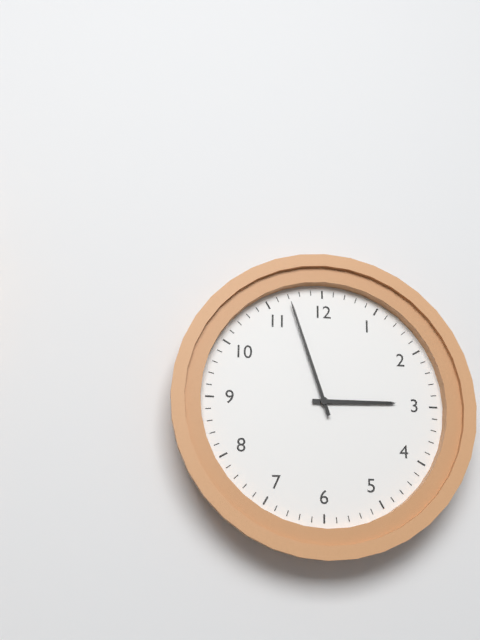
2:57
